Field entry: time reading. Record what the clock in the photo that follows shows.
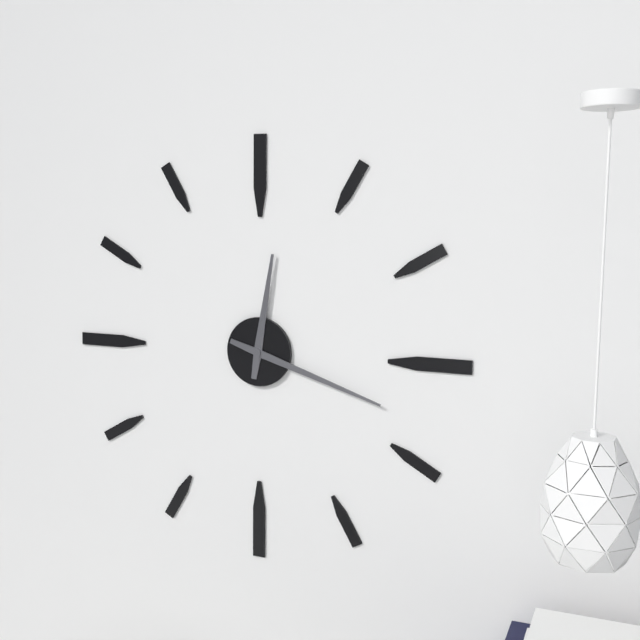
12:18
